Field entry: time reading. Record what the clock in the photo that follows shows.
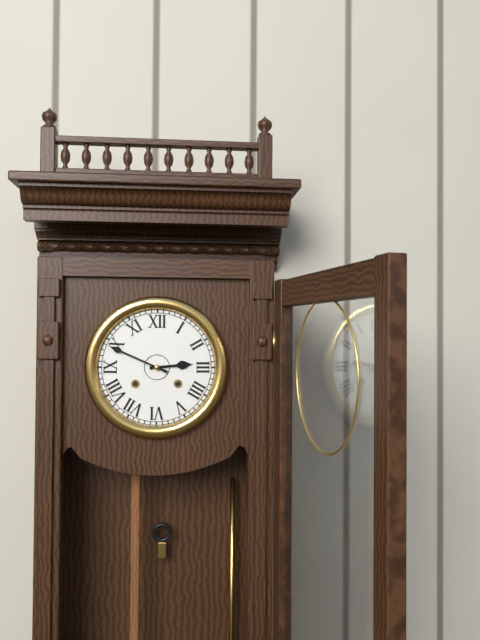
2:49
